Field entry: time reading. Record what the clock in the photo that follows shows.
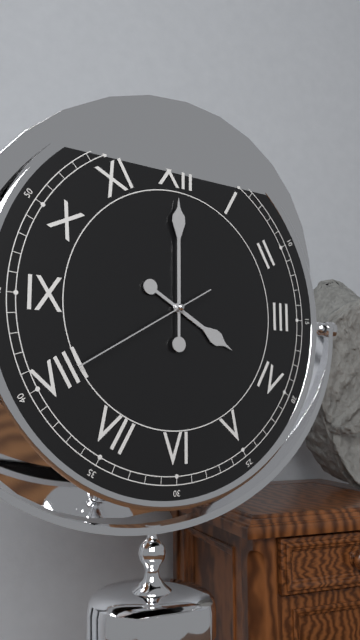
4:00:40
